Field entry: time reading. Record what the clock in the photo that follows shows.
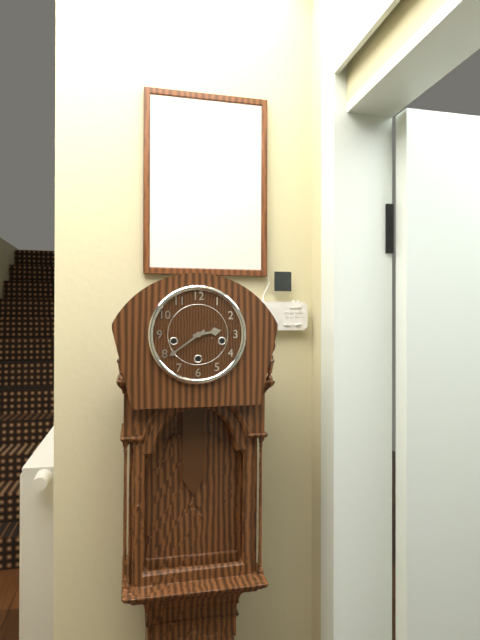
2:39
